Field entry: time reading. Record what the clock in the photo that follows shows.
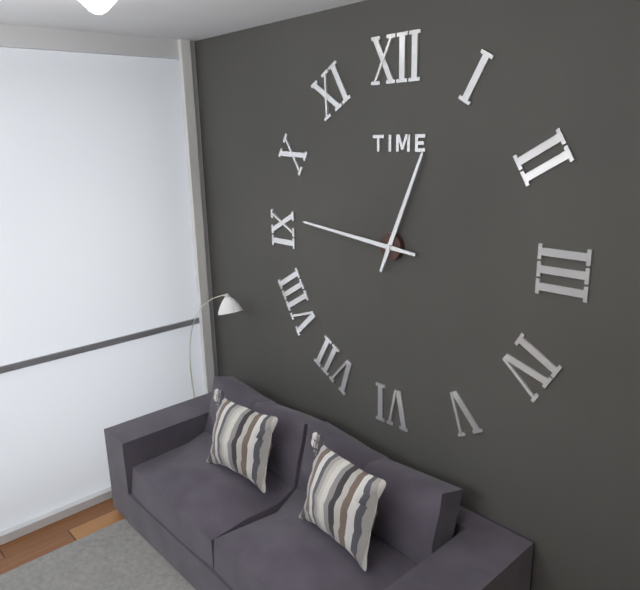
12:46
